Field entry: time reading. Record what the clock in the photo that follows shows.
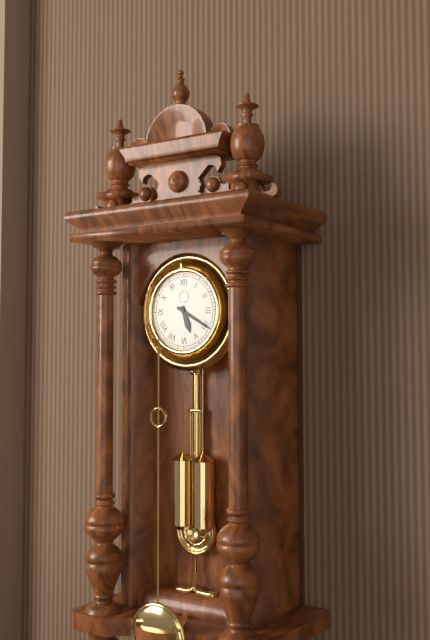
5:20
